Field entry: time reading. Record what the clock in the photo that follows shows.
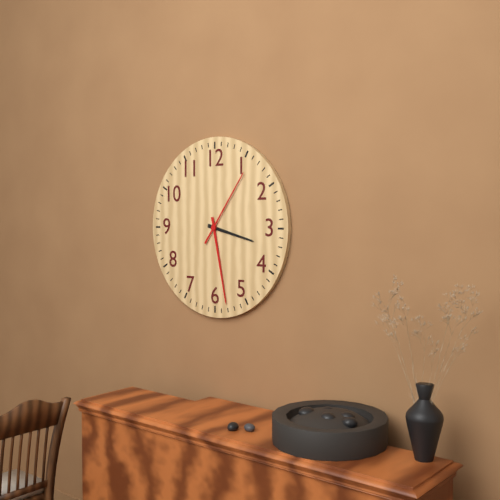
3:28:06
